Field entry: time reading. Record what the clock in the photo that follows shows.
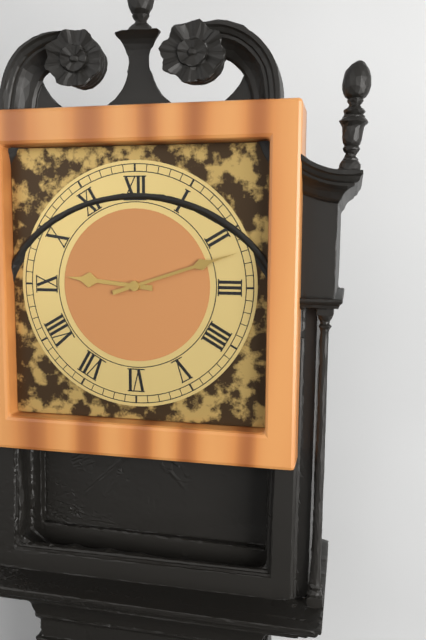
9:12
